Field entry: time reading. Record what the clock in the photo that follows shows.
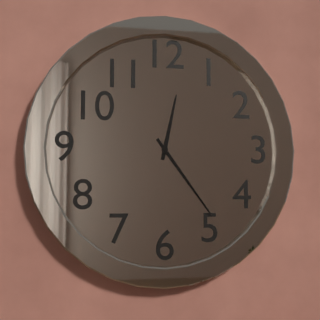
12:24
